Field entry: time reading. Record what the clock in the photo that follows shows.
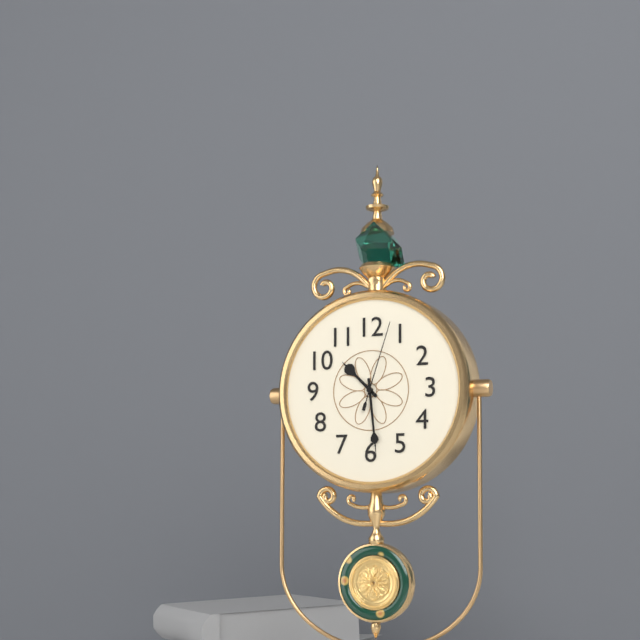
10:29:03
